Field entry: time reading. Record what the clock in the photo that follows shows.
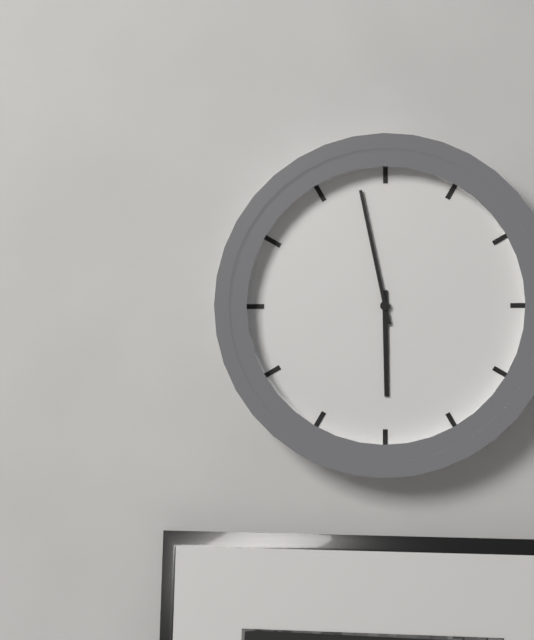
5:58
